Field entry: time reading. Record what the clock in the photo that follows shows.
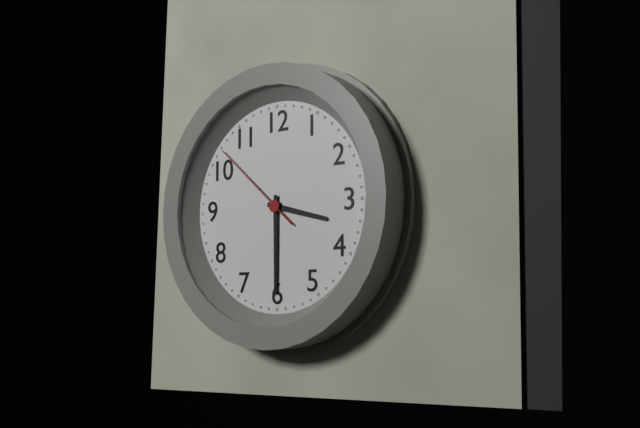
3:30:52
